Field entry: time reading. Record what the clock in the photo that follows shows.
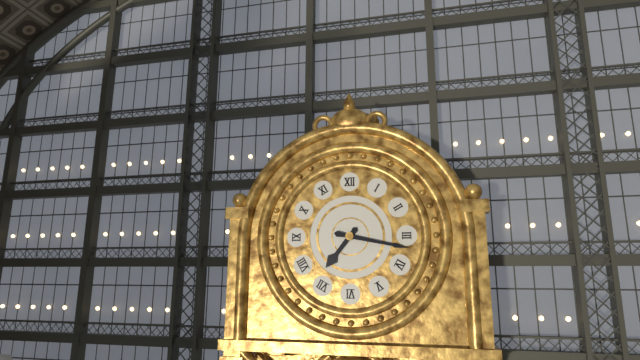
7:17
